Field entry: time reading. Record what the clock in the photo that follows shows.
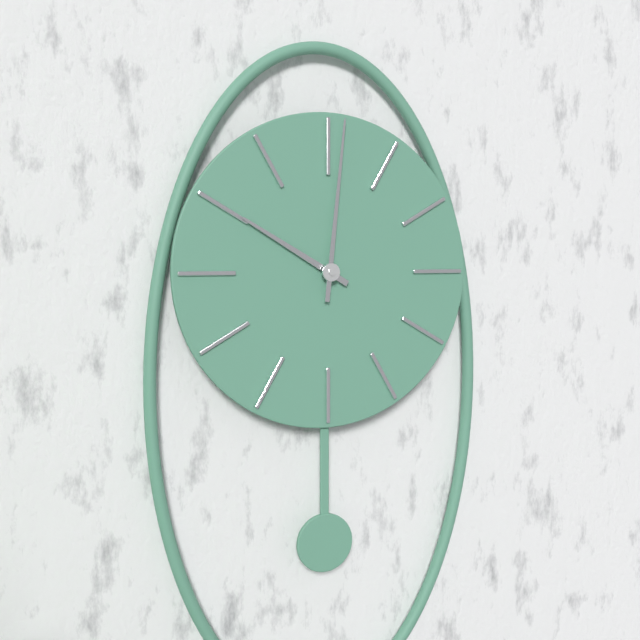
10:01
